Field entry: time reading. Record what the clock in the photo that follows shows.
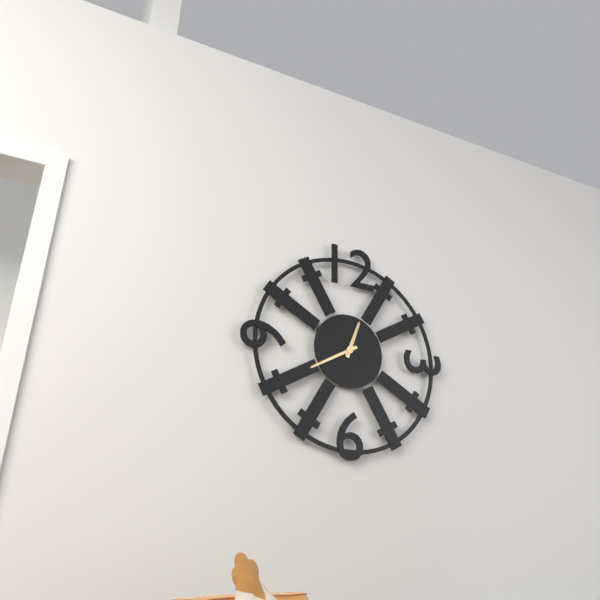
12:40
